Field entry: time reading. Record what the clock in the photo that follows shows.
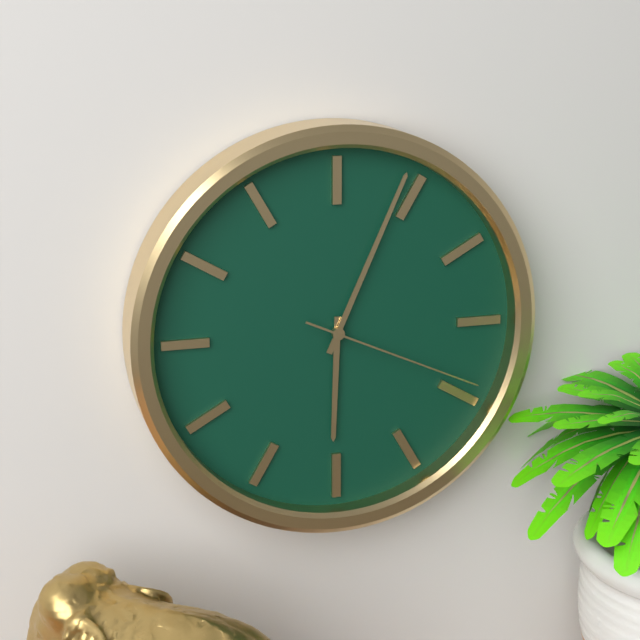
6:04:19
